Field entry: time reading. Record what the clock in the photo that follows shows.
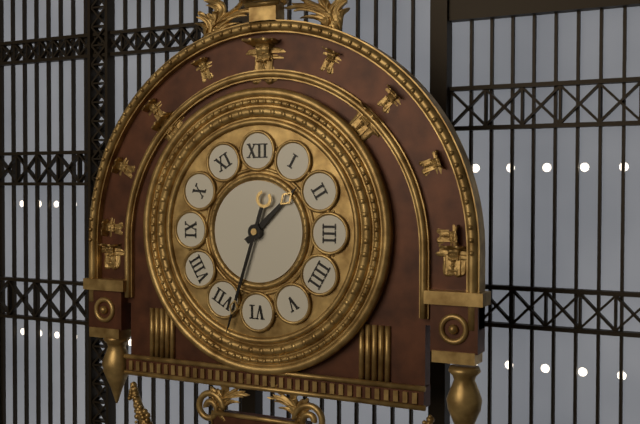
1:33
